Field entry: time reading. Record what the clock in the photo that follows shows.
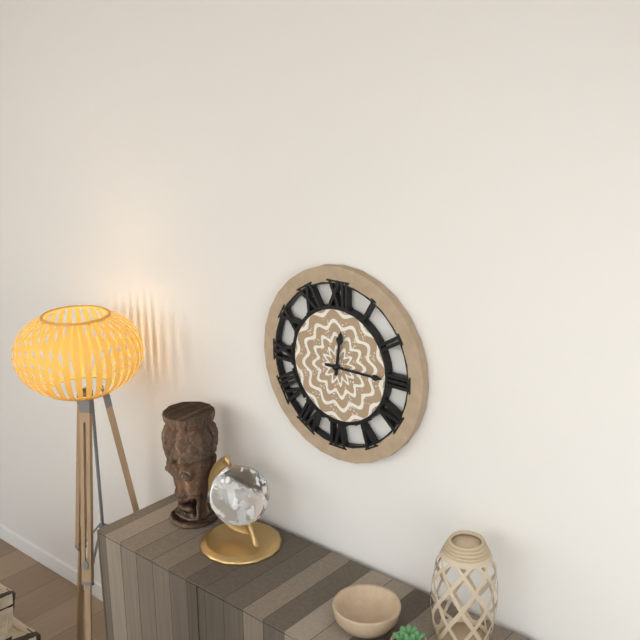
12:15
